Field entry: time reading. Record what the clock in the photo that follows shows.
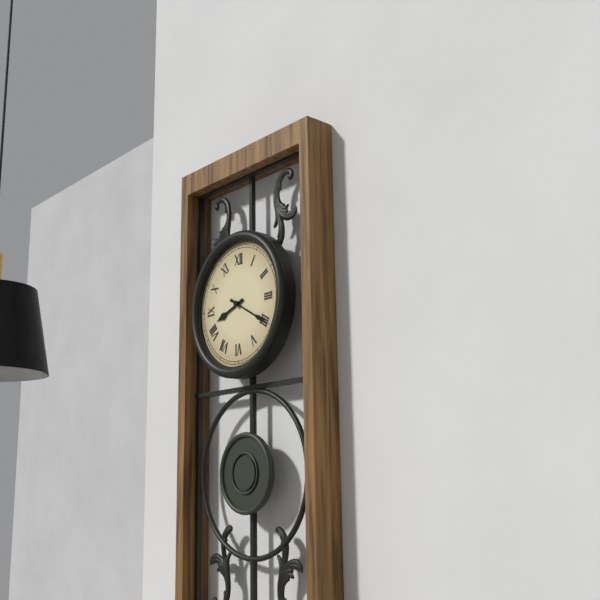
8:20
